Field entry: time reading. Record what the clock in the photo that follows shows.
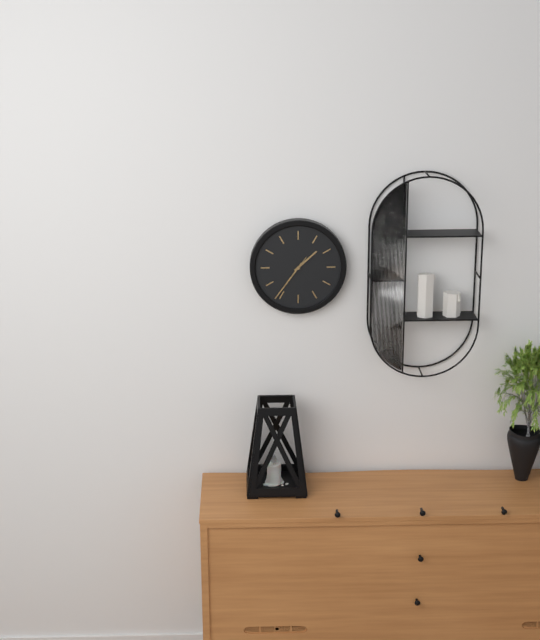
1:36
